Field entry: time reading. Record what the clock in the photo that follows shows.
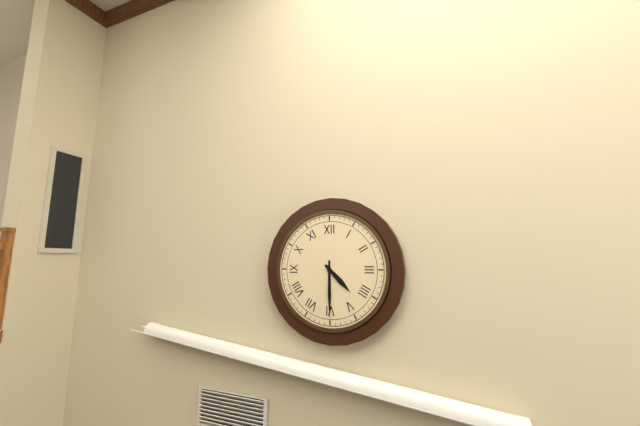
4:30
